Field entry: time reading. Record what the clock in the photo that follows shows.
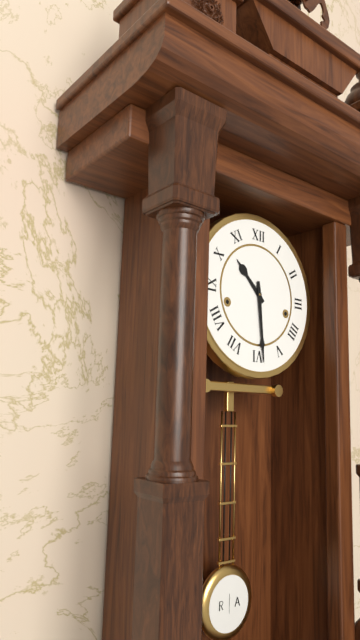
10:29
